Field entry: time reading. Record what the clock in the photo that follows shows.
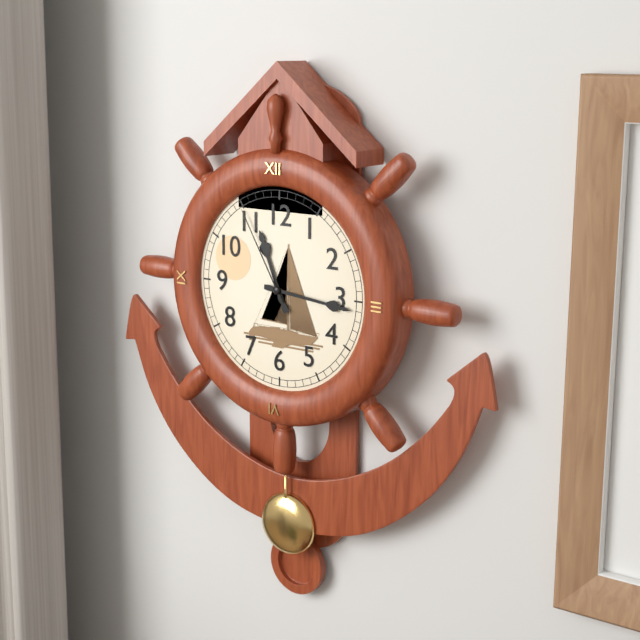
11:16:55
